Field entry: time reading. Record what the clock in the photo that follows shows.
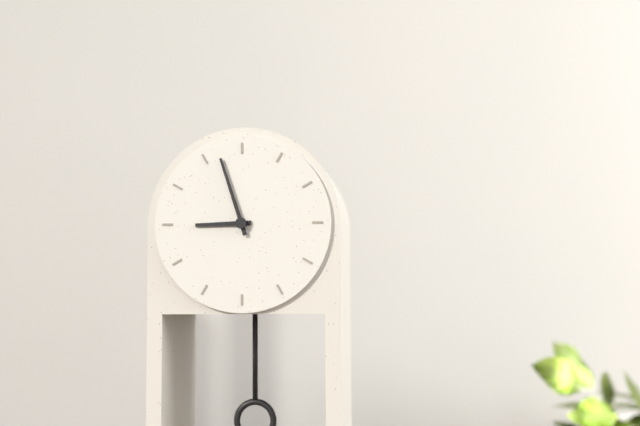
8:57
